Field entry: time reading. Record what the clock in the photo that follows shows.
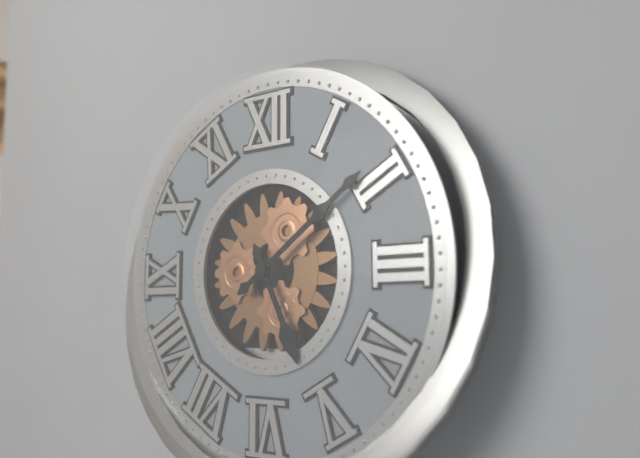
5:09
